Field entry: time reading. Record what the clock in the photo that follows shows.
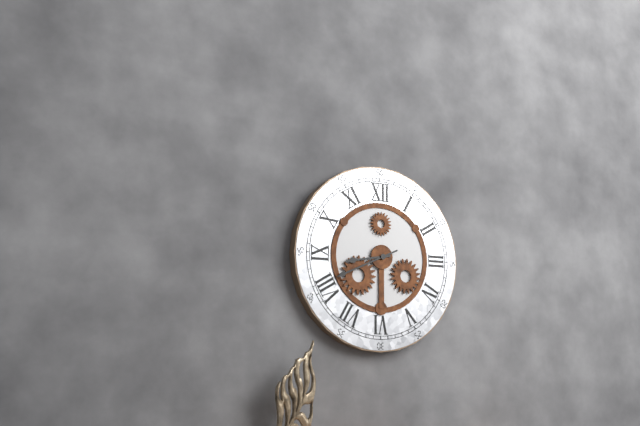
8:41
